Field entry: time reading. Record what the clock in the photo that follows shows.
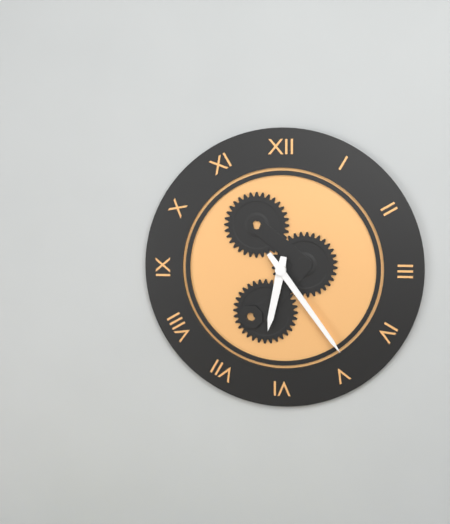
6:24
